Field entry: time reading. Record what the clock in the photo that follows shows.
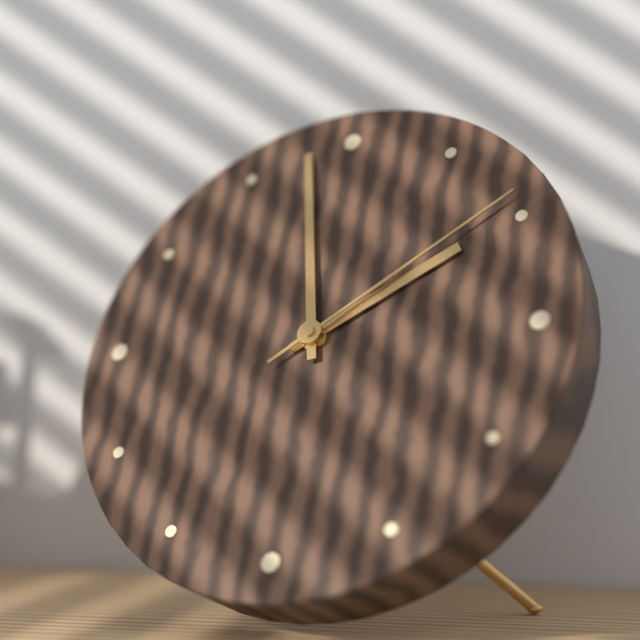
1:58:09
